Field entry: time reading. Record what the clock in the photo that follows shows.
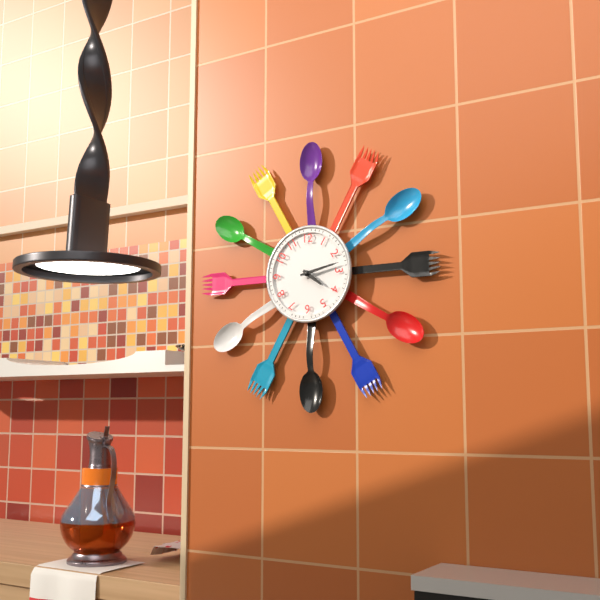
4:13
